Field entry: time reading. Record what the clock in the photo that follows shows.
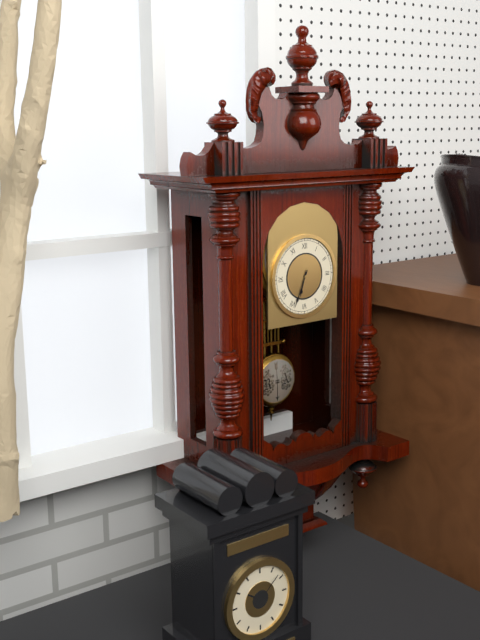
6:34
